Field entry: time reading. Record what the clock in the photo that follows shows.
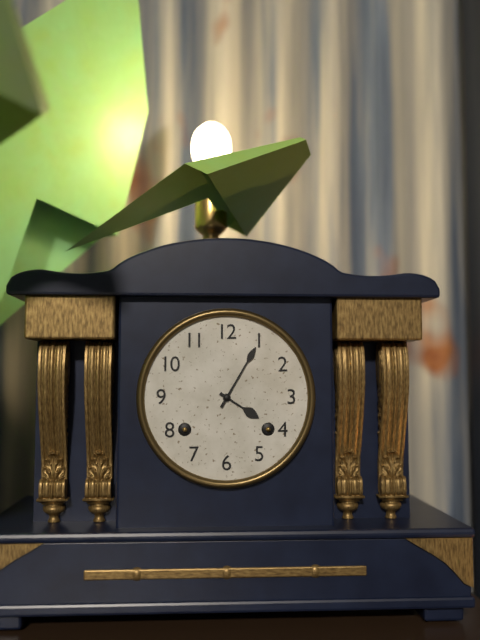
4:05
